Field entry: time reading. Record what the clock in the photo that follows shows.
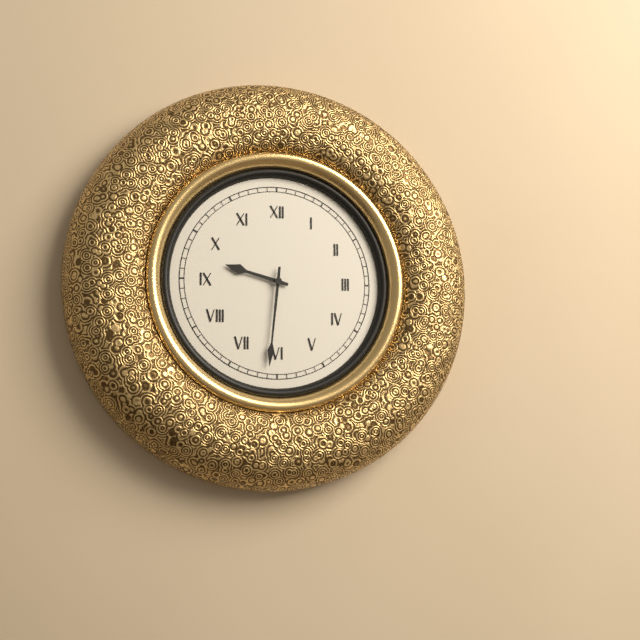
9:31
